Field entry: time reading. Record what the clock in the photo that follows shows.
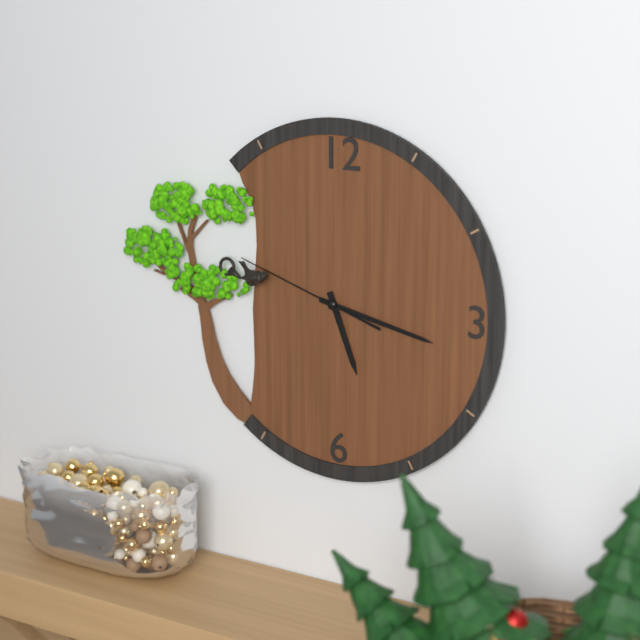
5:17:48
